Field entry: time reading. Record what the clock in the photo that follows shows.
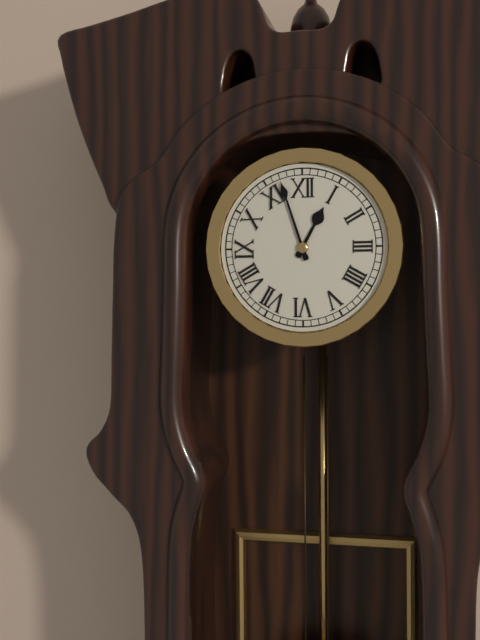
12:57
